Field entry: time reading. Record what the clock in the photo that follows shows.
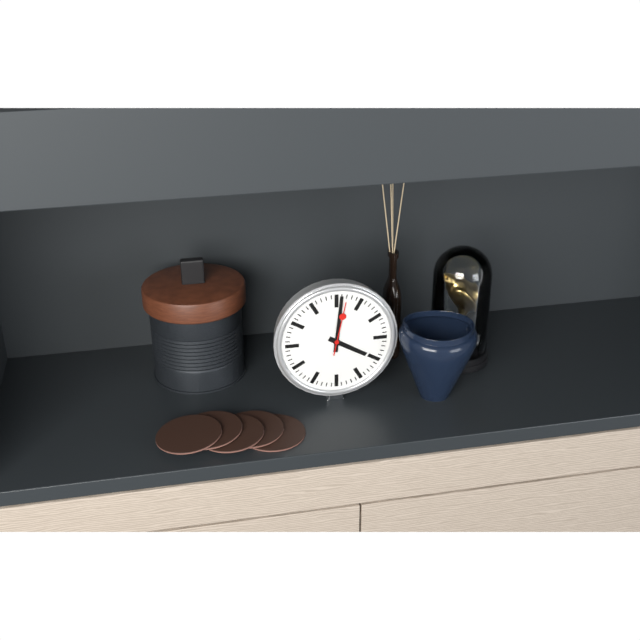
4:01
